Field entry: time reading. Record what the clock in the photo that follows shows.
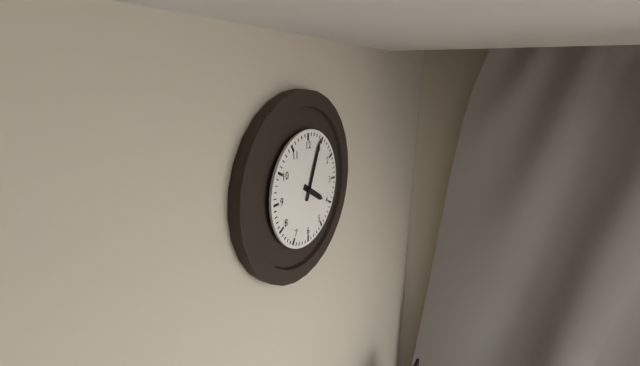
4:04
